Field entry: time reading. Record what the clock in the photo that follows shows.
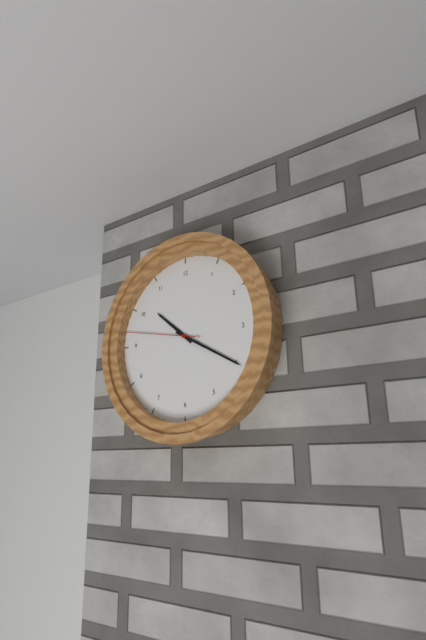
10:20:47
